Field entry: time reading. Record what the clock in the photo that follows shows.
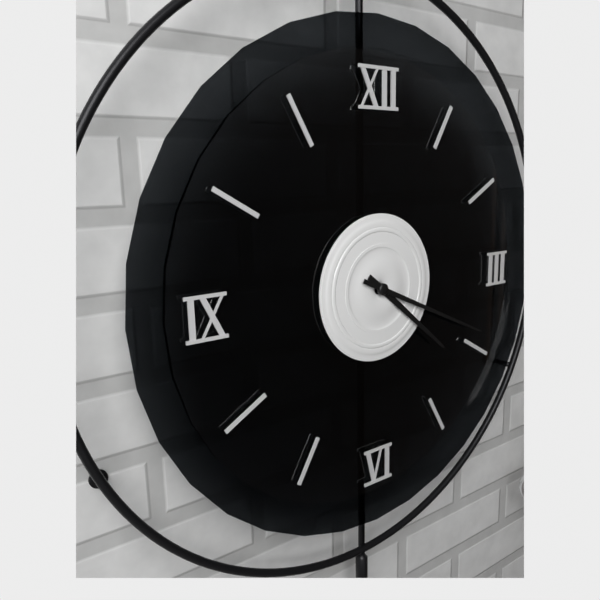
4:19
